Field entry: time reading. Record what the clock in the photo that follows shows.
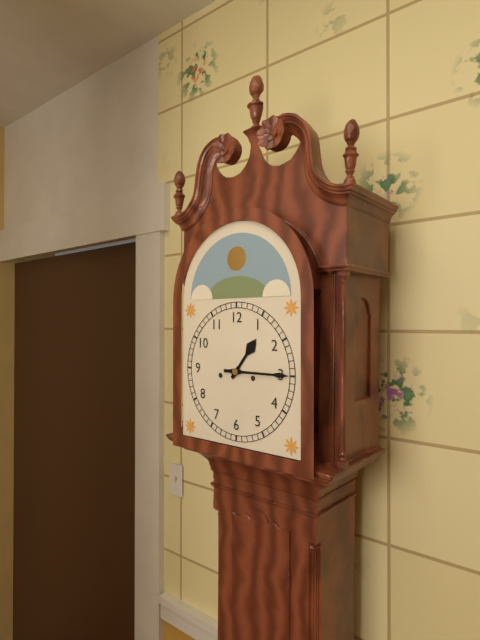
1:15
